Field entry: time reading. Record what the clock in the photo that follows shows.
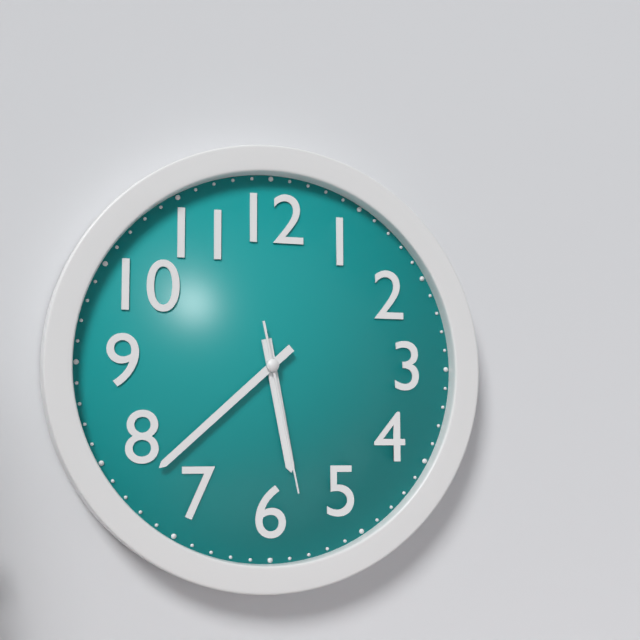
5:38:28
